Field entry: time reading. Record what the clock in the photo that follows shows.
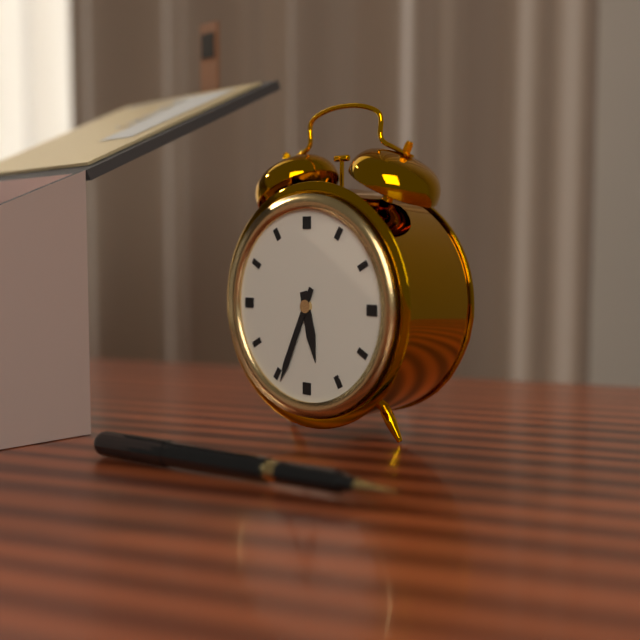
5:34
